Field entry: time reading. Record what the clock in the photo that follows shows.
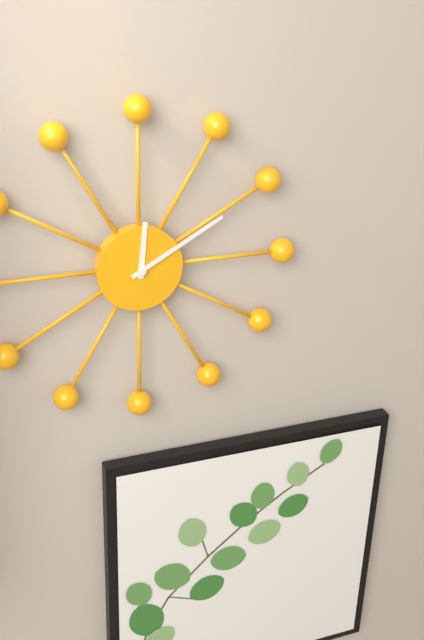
12:10
